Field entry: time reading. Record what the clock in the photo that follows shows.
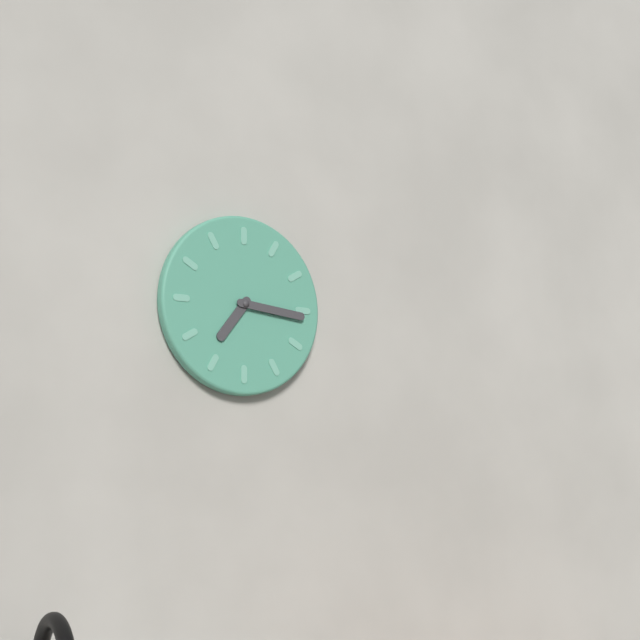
7:16
